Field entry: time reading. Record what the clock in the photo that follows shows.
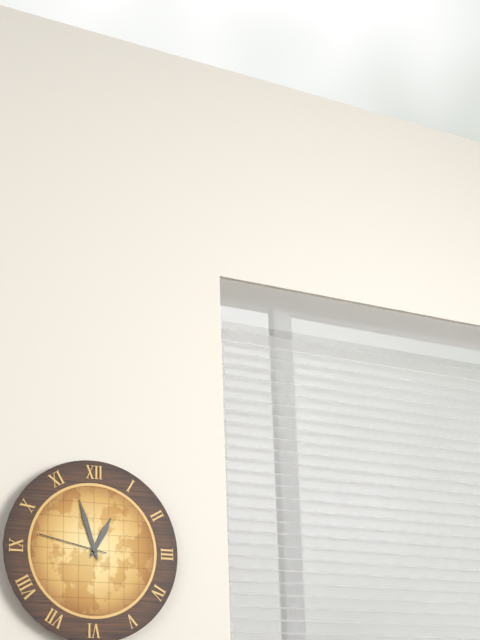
12:57:47
